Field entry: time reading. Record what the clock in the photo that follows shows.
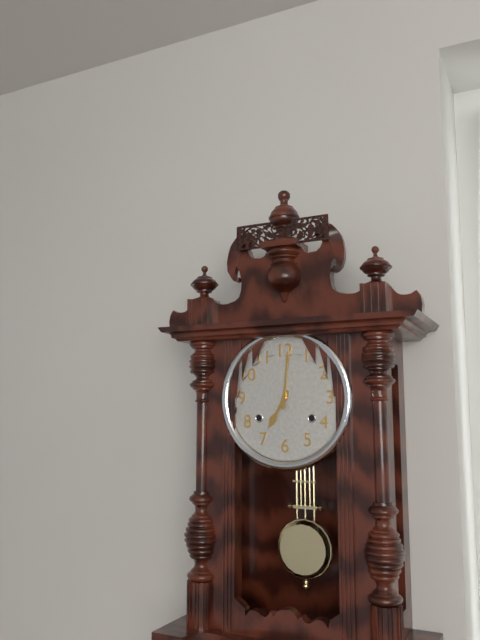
7:01
